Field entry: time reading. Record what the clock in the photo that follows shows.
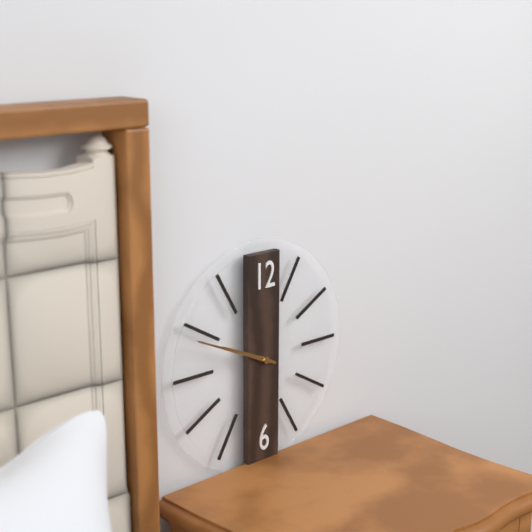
9:49
